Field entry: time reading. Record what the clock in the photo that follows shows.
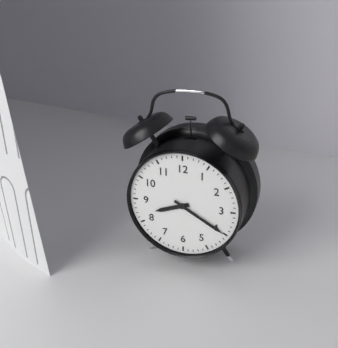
8:20
